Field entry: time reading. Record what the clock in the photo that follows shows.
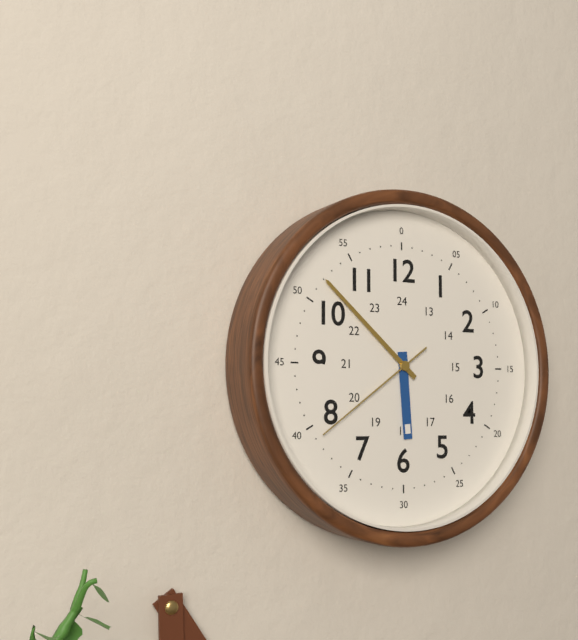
5:52:39
